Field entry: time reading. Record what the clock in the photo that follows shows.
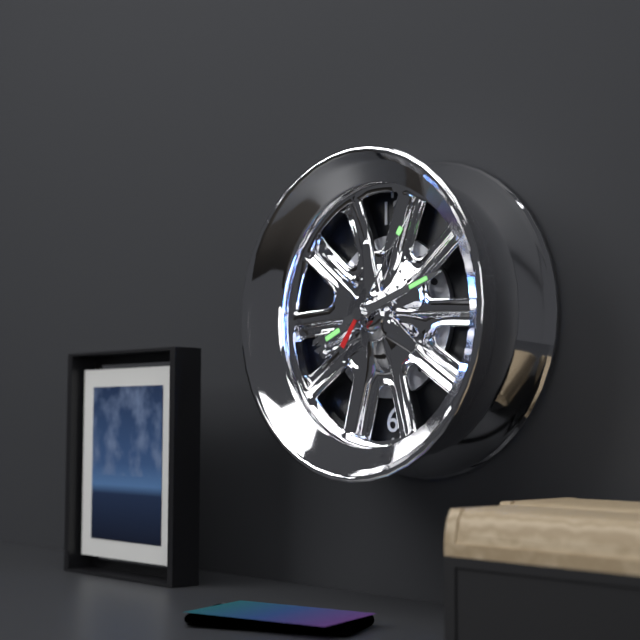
8:12:06
